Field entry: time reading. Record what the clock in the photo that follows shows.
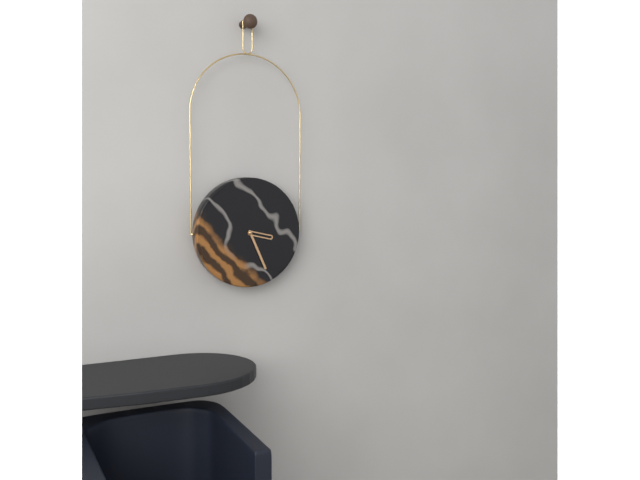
3:26
